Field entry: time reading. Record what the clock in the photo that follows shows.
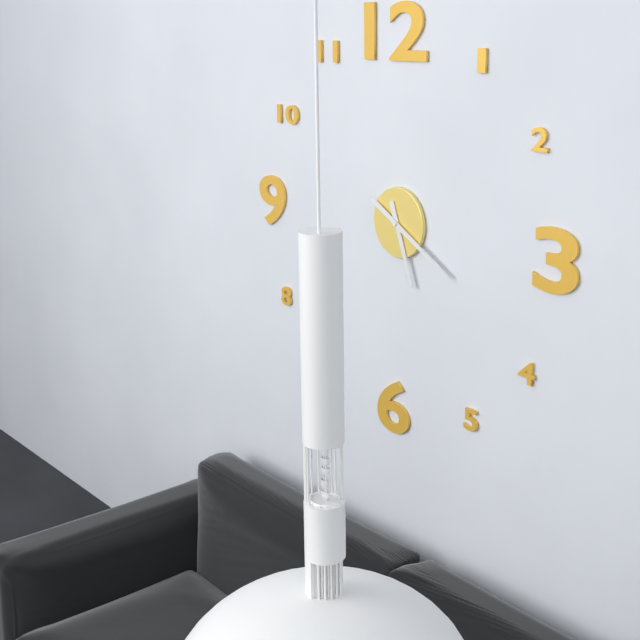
5:20
